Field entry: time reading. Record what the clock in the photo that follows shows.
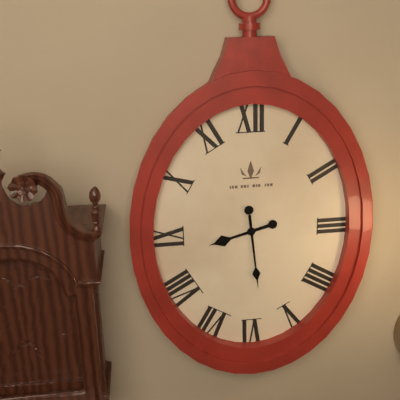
8:29
